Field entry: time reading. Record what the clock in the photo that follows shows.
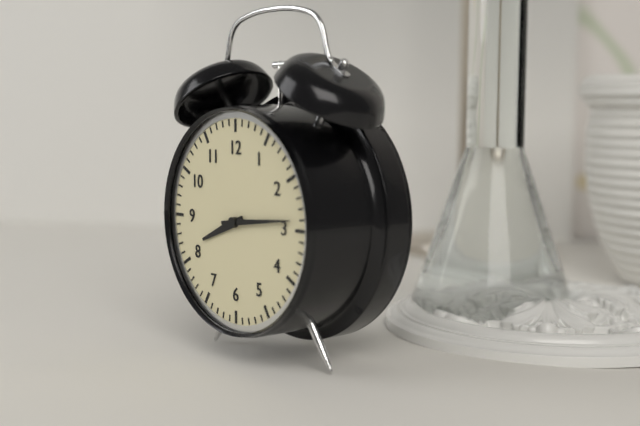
8:14
